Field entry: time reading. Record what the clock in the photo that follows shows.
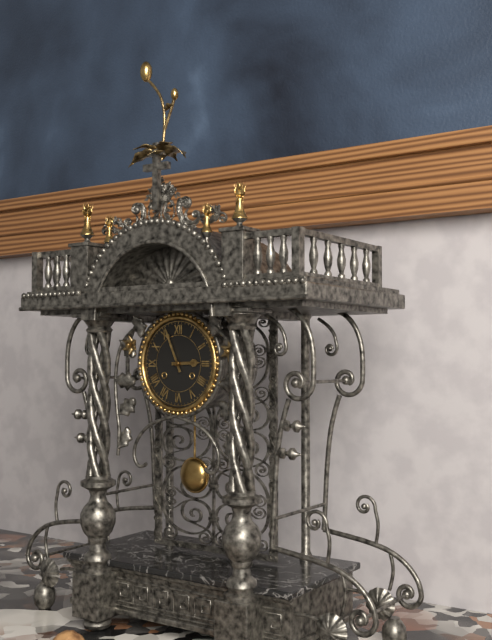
2:56
